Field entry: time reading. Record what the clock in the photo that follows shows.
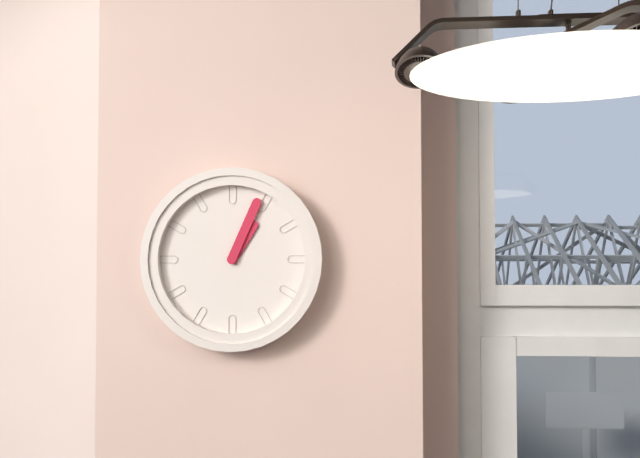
1:04
